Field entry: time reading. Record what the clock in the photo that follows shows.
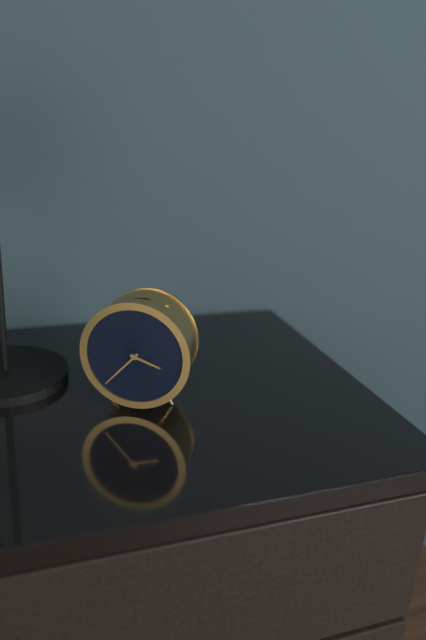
3:37
